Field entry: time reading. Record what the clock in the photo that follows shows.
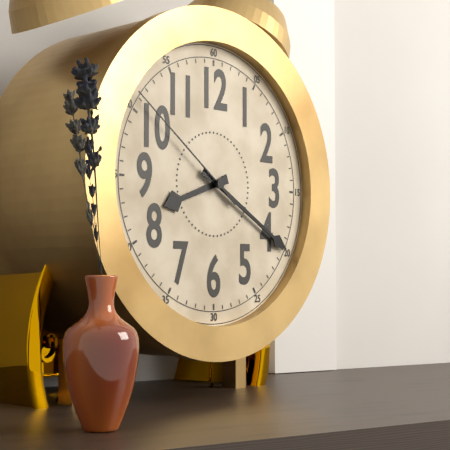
8:20:51
